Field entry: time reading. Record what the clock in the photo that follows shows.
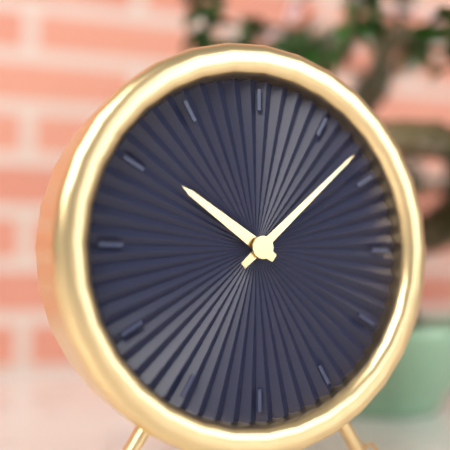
10:08
